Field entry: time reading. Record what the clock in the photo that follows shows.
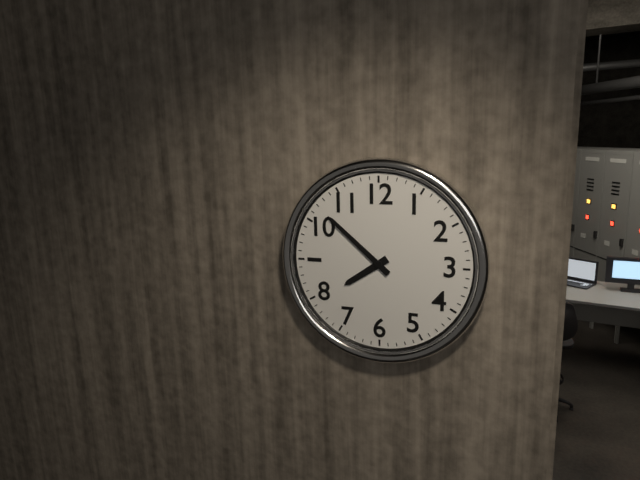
7:52
